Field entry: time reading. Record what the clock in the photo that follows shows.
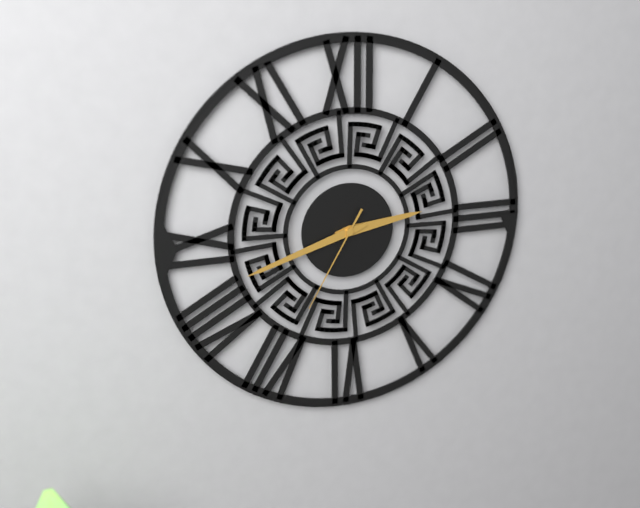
2:42:35
